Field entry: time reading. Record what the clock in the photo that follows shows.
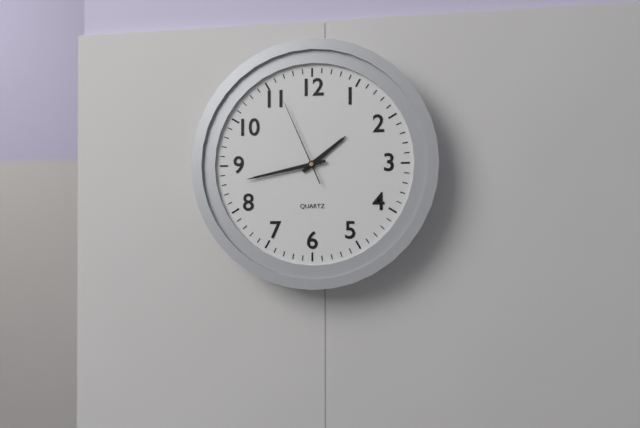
1:43:56
